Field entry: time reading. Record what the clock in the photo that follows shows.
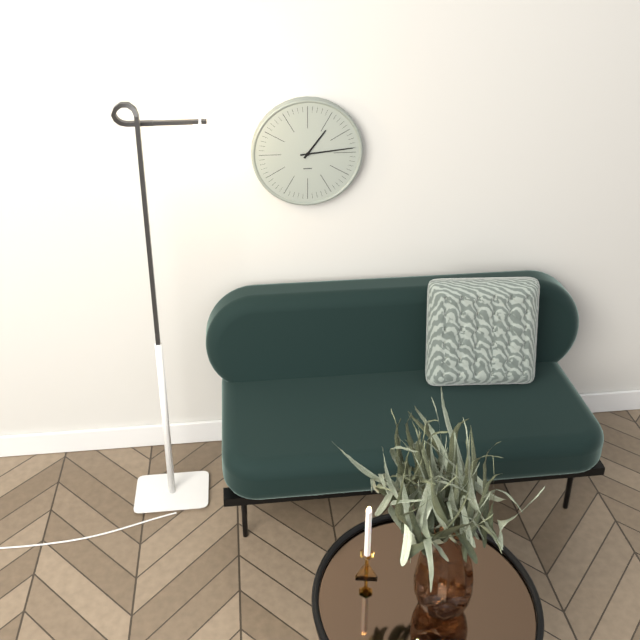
1:14
